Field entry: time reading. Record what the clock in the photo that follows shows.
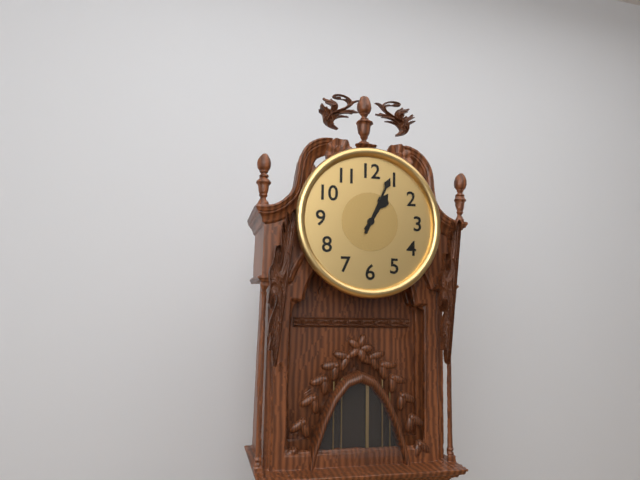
1:04
